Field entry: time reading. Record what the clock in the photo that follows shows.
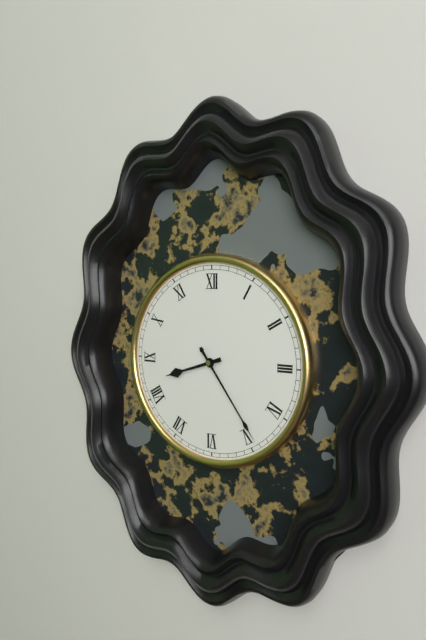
8:24
